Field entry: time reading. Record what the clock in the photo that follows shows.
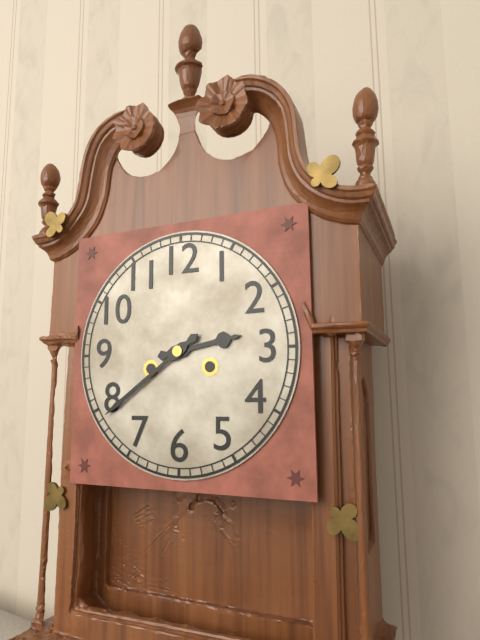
2:39
